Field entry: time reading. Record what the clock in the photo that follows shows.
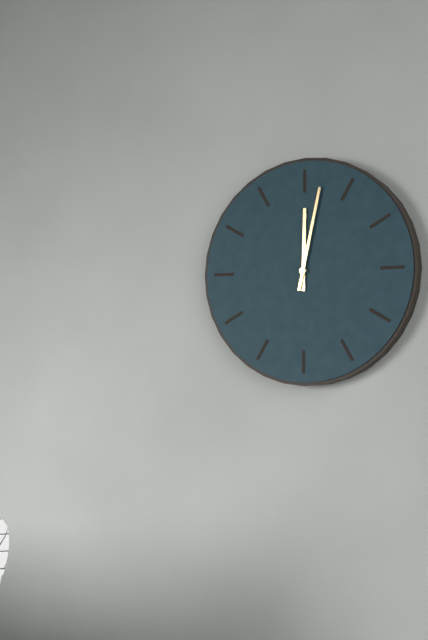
12:02
